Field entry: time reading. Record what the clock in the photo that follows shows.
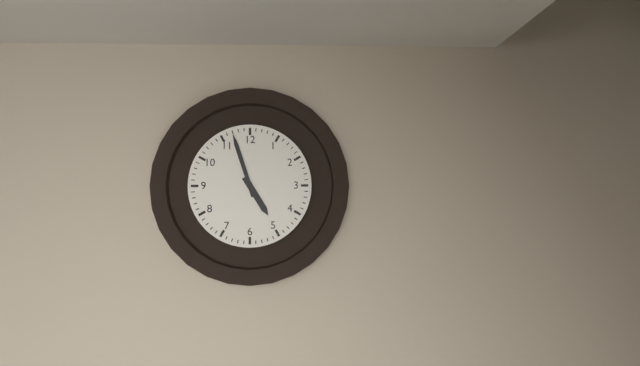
4:57
